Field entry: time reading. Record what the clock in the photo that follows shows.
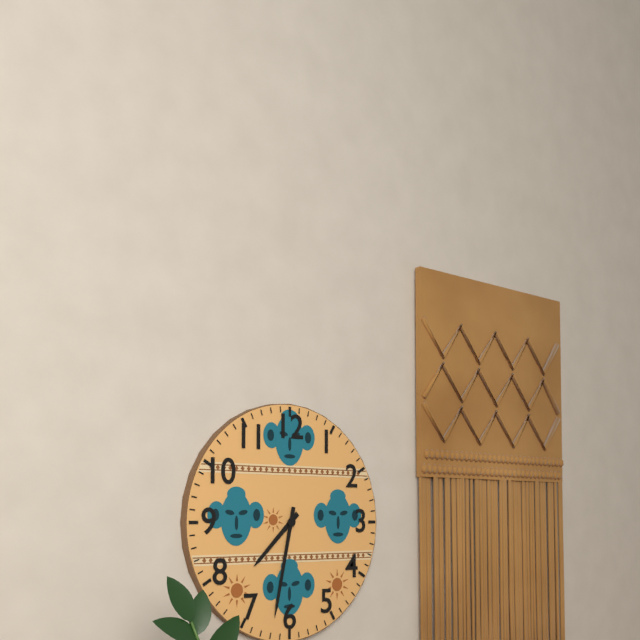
7:32
